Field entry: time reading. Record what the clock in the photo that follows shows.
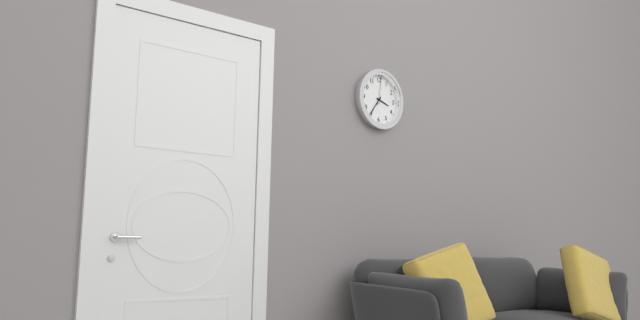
3:36
